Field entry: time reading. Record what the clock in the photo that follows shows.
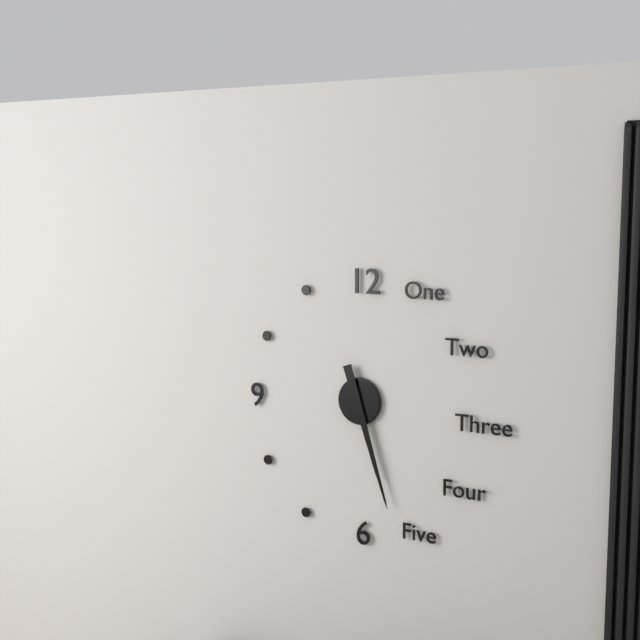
5:27
